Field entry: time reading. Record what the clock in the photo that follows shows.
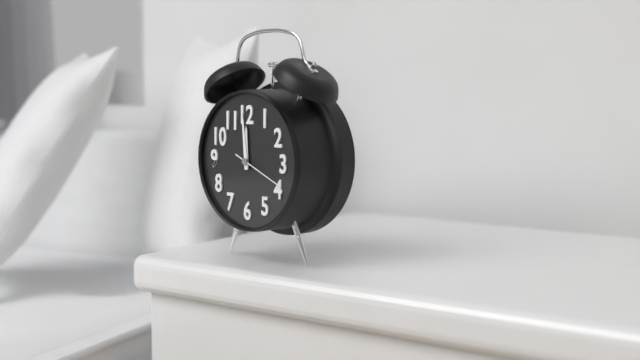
11:59:19
